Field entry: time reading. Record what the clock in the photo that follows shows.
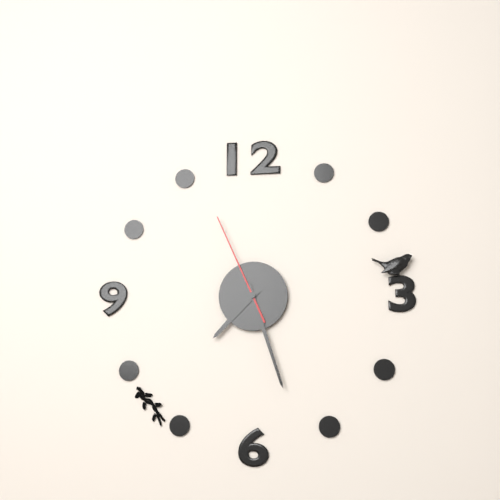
7:27:56
